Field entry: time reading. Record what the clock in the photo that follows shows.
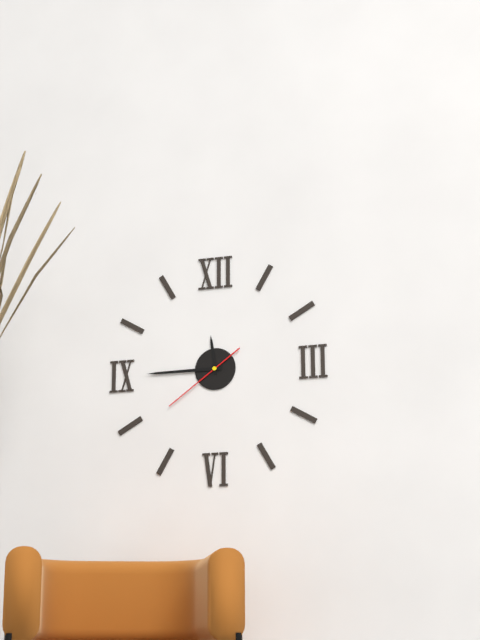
11:45:39
